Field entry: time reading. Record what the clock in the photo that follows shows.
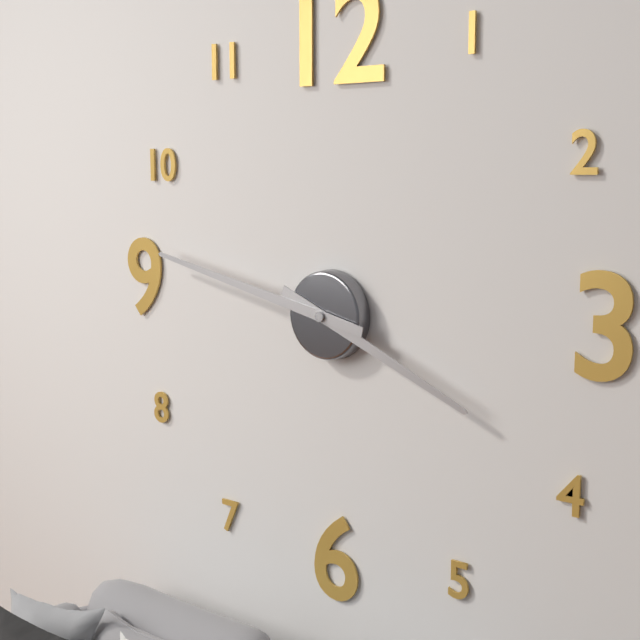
3:47
